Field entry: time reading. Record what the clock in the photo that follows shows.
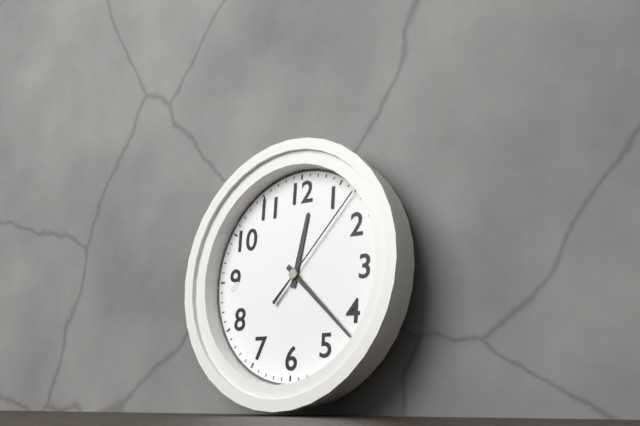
12:22:07
